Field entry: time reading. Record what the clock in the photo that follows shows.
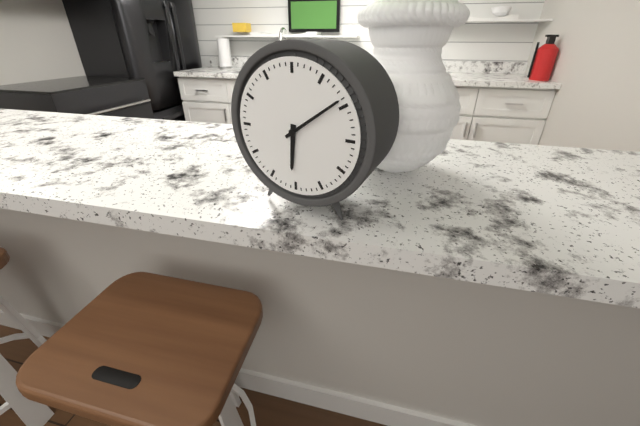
6:09
